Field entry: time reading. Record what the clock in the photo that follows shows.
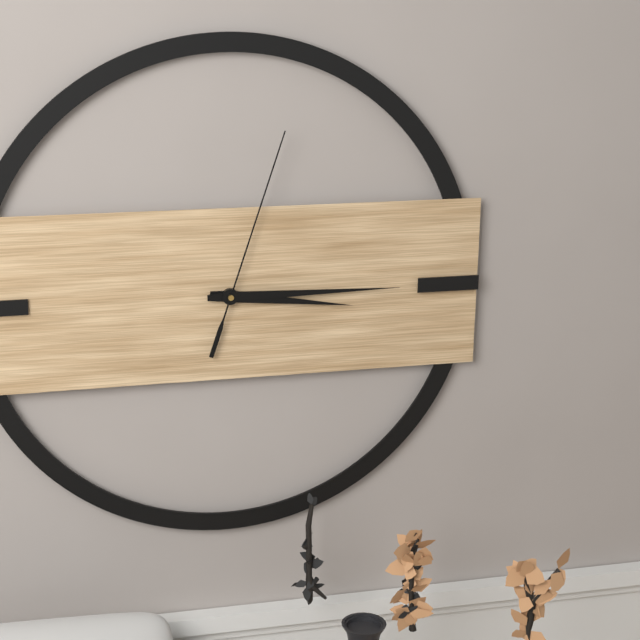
3:15:03
